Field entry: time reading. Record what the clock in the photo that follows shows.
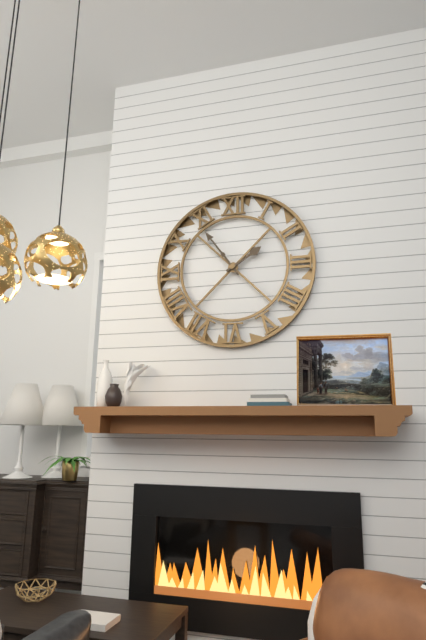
1:54
